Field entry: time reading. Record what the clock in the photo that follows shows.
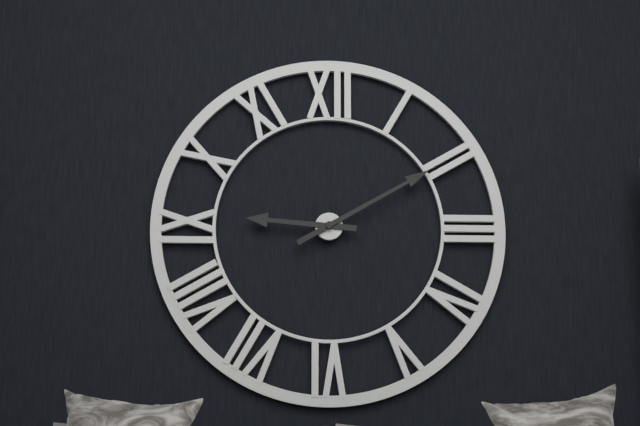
9:10
